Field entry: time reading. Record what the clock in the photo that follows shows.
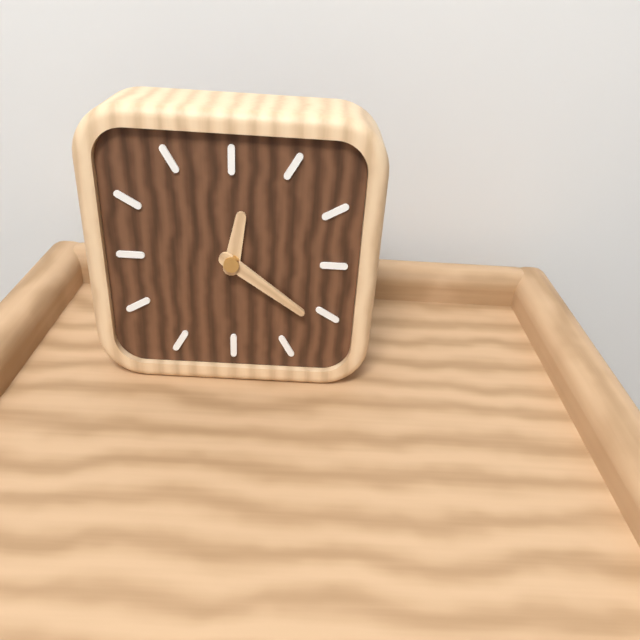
12:21
